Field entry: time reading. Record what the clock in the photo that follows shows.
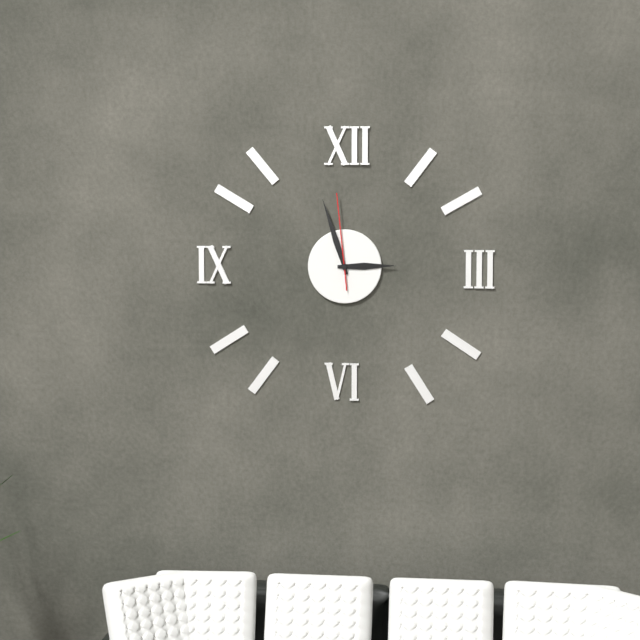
2:57:59
